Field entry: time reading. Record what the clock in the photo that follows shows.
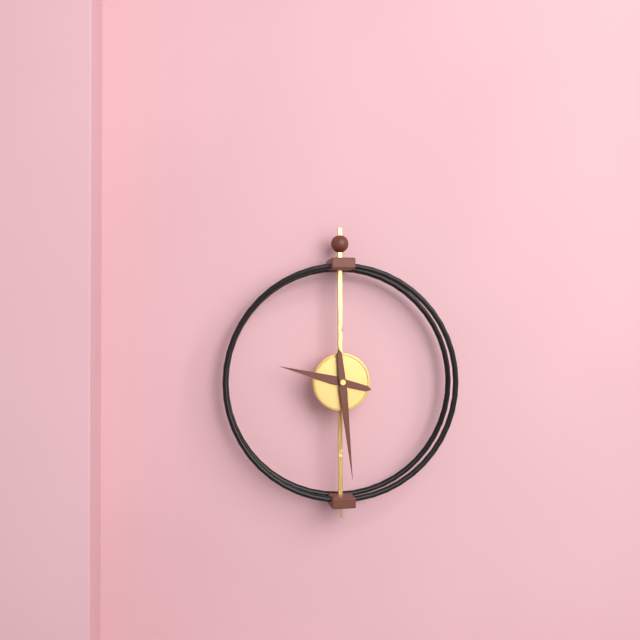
9:29
